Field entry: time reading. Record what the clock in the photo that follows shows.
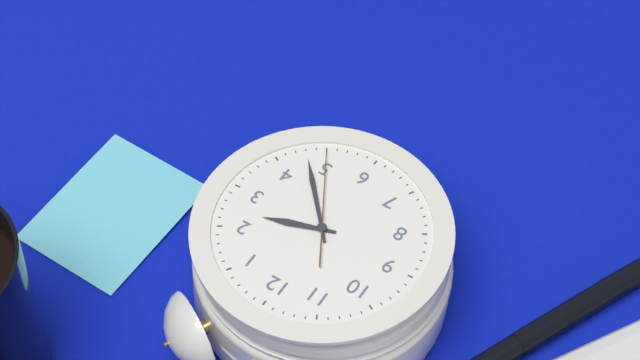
2:23:25
